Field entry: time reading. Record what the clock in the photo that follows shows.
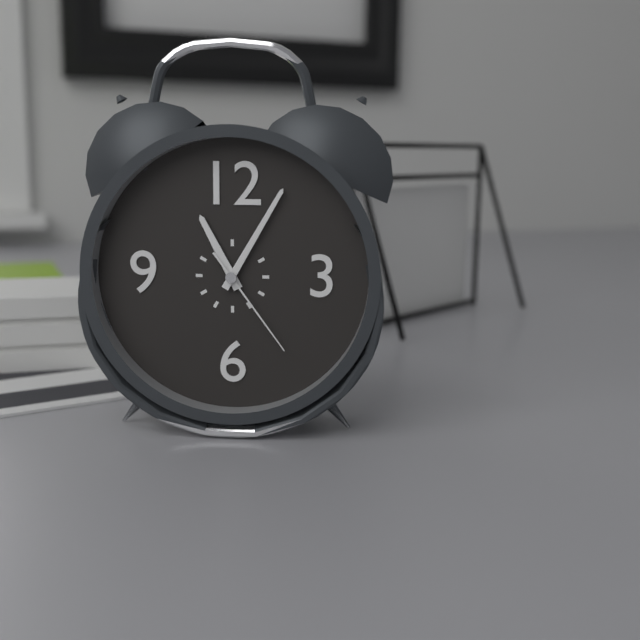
11:05:24
